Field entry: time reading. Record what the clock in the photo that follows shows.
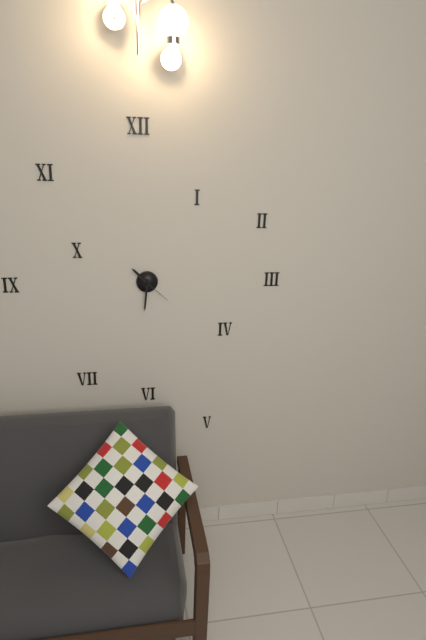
10:31
